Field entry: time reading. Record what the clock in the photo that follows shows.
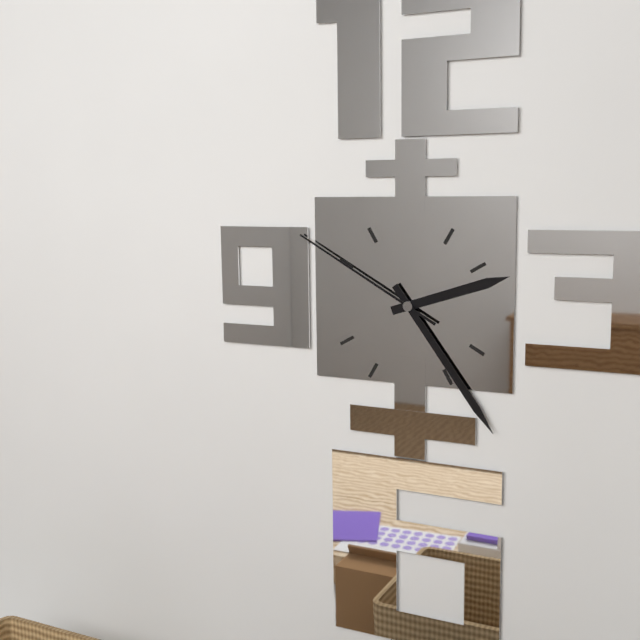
2:24:50
